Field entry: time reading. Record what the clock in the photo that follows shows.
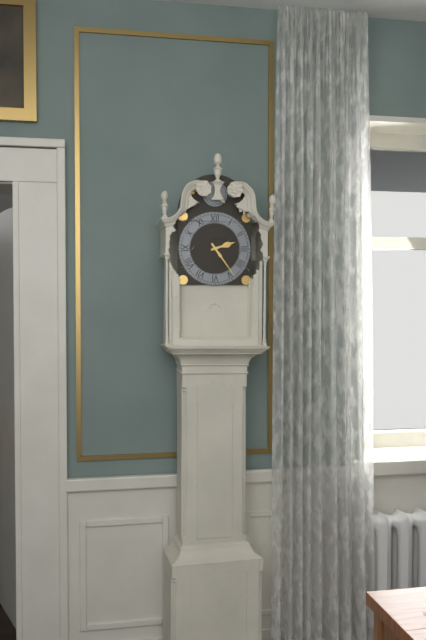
2:24
